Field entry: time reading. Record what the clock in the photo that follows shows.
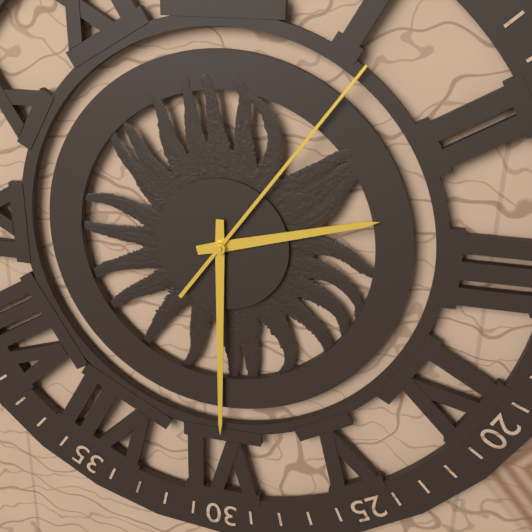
2:30:06
